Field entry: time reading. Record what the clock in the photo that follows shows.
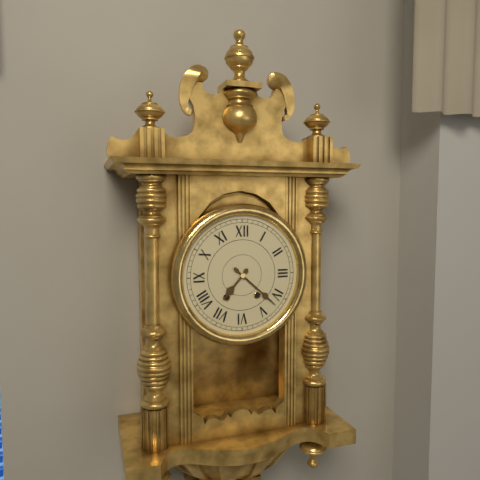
7:22
